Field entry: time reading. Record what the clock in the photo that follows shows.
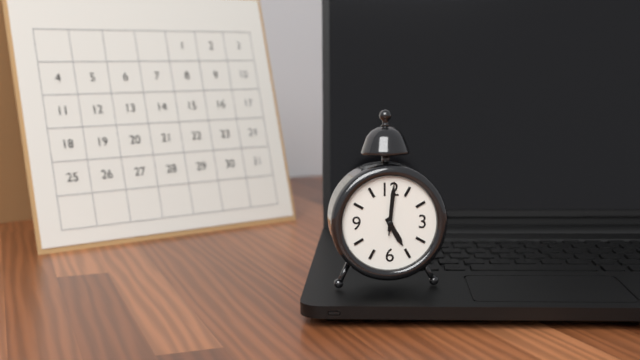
5:01
